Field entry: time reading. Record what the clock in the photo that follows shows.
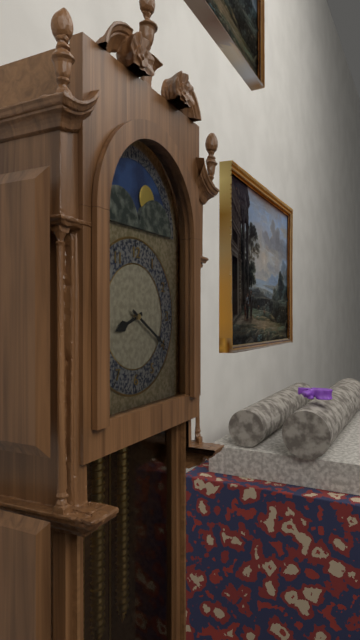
8:20
